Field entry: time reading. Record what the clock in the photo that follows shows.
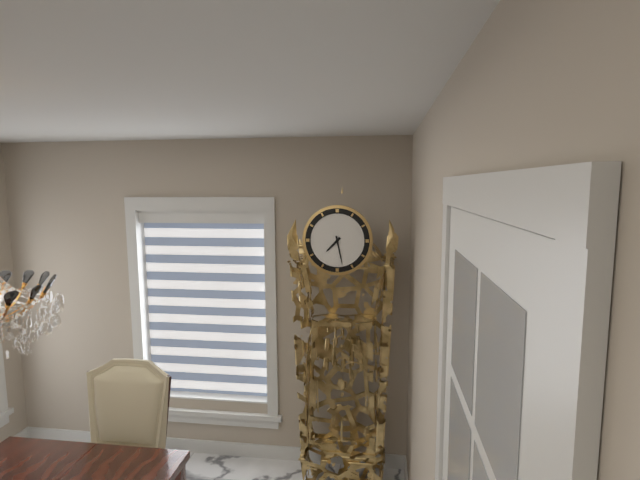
7:28
